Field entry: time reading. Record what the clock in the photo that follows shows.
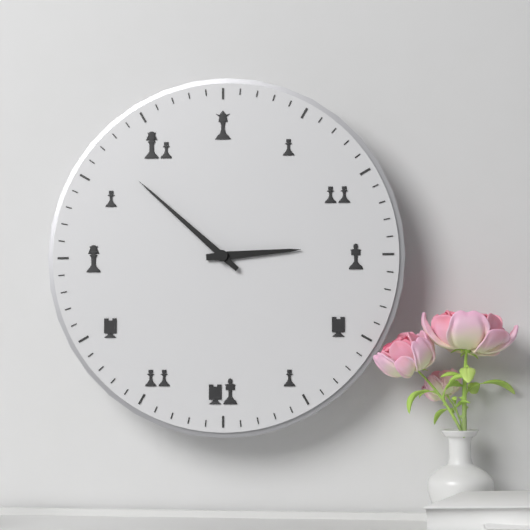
2:52
